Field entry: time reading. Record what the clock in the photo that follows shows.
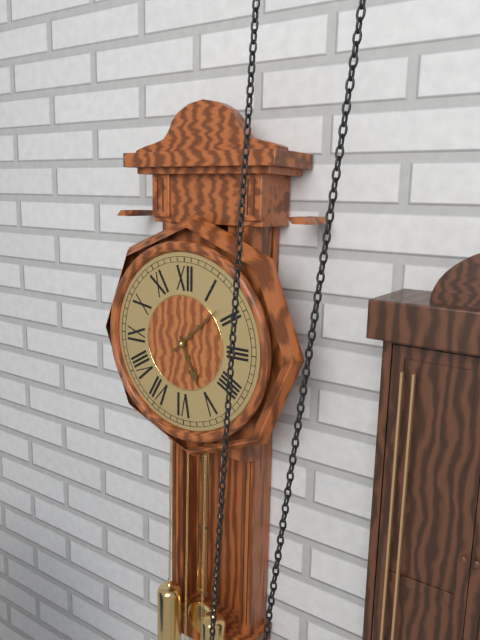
5:08
